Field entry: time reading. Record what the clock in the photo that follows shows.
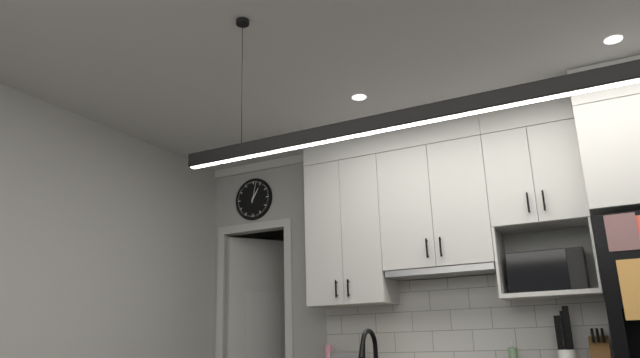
1:02
